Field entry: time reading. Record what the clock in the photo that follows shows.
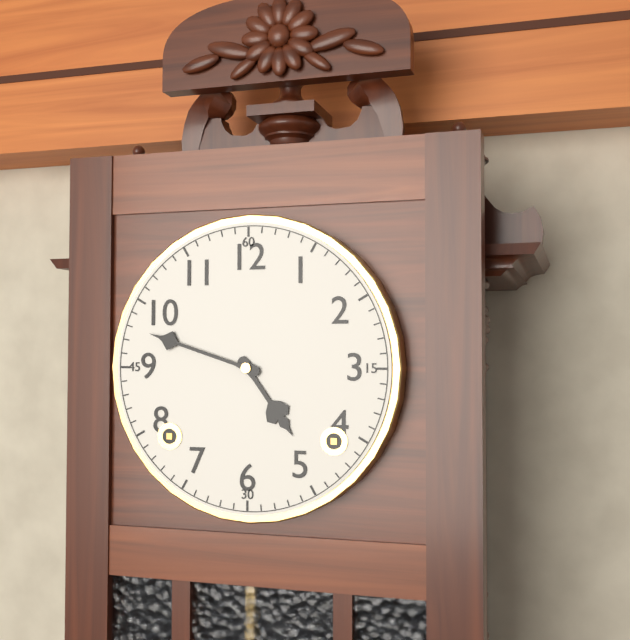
4:48
